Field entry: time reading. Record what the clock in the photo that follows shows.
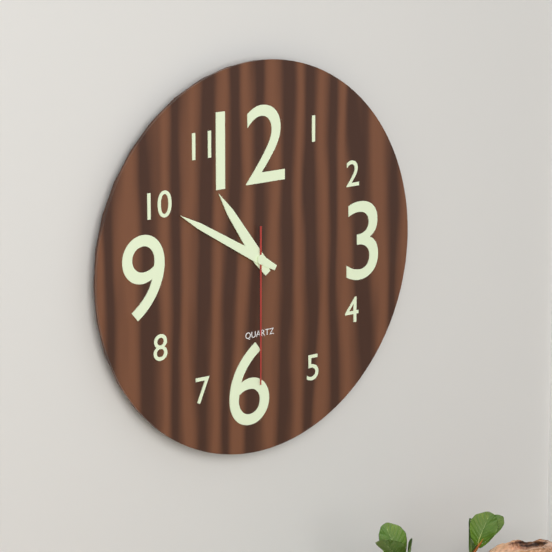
10:50:30
